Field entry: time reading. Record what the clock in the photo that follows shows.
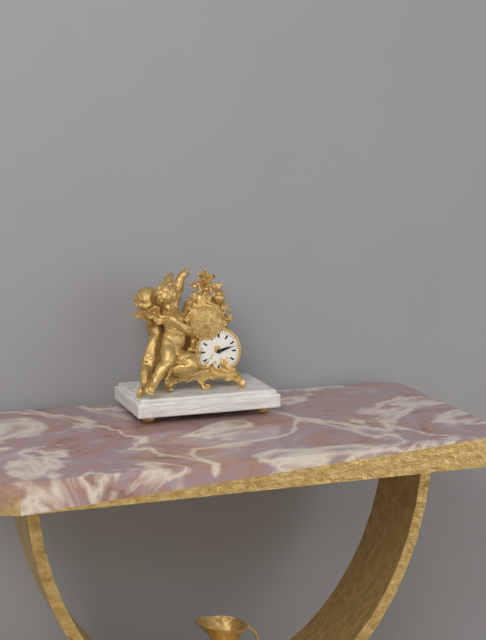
2:12
